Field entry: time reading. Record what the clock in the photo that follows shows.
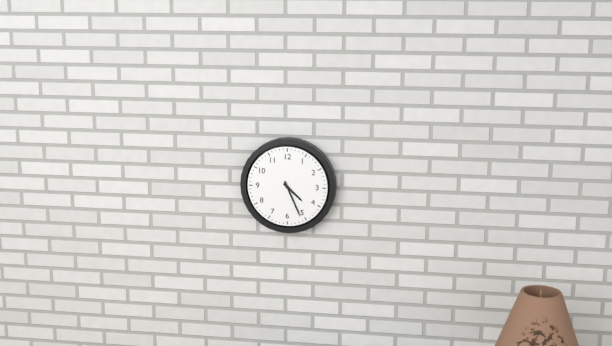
4:26
